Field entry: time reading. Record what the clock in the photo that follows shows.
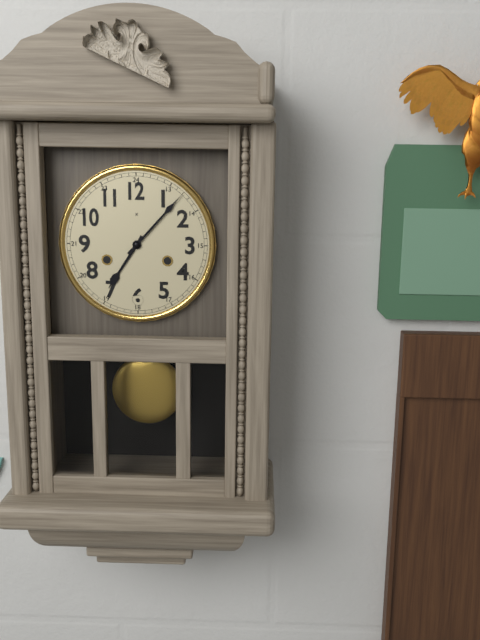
7:07
